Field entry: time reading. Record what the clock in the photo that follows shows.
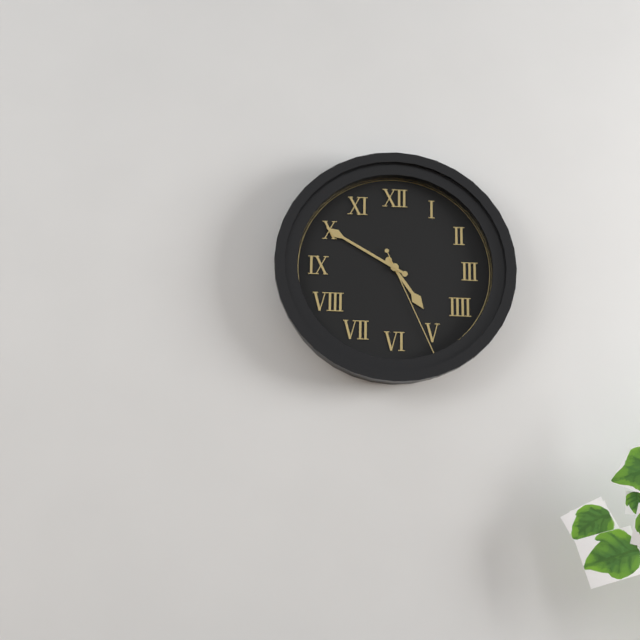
4:50:26
